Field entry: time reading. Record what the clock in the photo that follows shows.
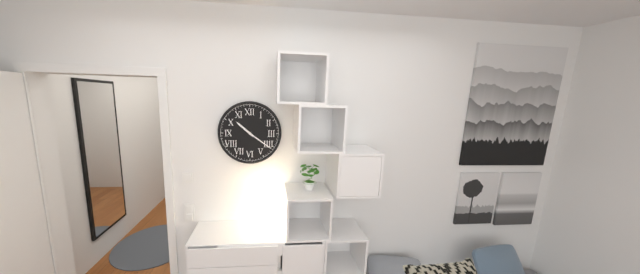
10:21
